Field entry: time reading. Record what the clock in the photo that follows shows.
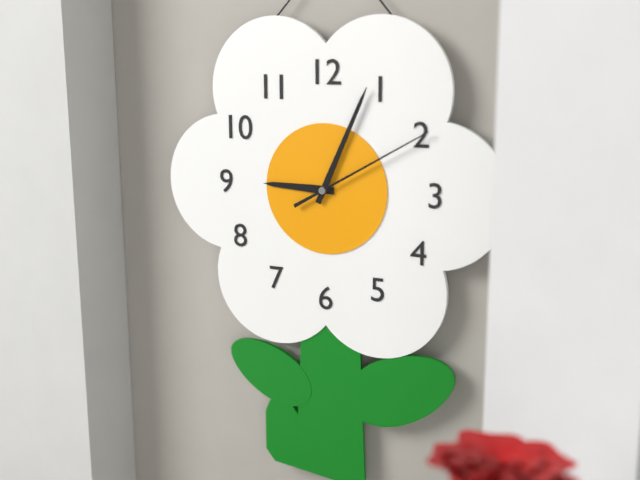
9:04:10
